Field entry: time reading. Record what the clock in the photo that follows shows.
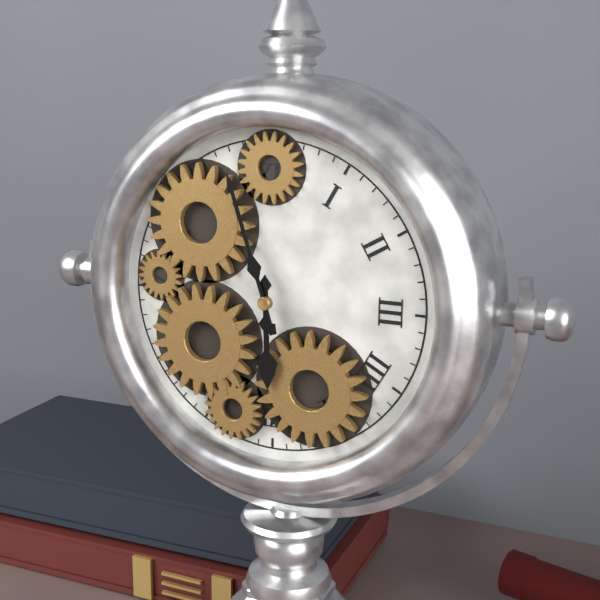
5:57
